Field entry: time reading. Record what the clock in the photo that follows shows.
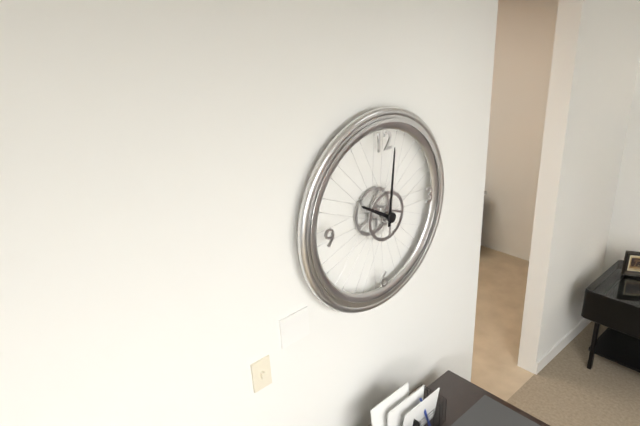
10:01
